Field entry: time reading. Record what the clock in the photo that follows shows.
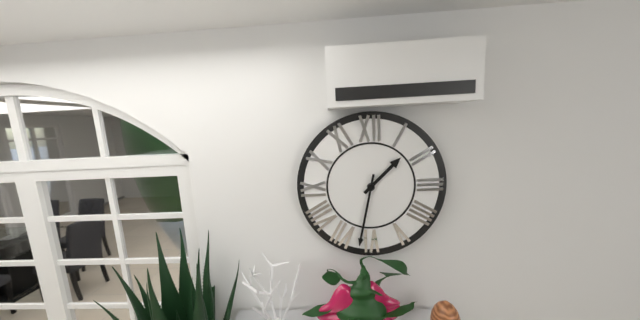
1:32
